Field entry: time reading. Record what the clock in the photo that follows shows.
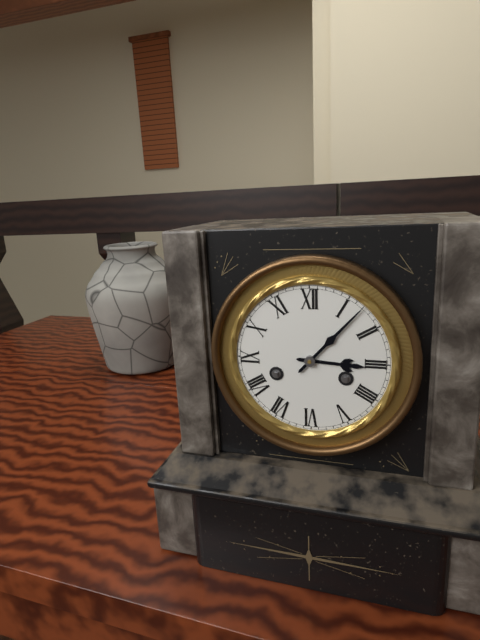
3:07
